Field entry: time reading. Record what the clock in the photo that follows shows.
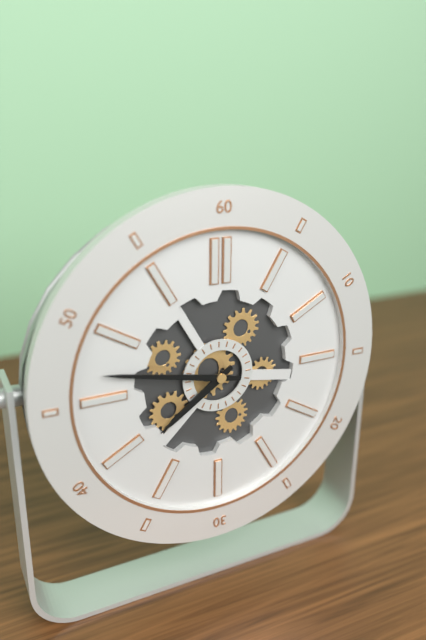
7:47
